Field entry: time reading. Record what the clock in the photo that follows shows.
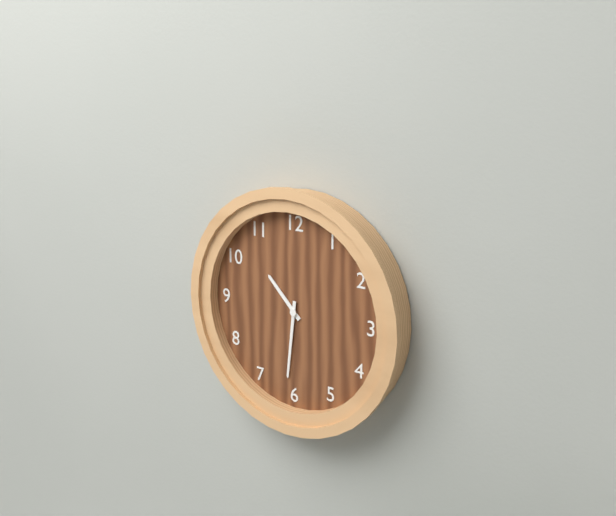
10:31
